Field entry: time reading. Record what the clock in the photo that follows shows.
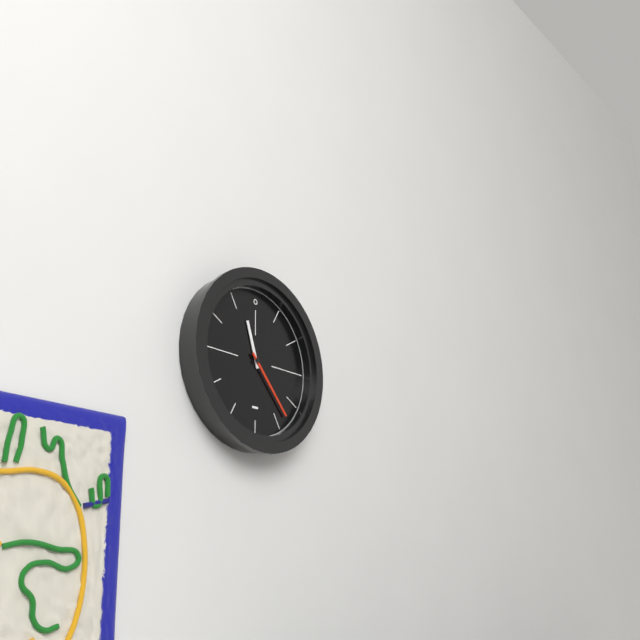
11:23
